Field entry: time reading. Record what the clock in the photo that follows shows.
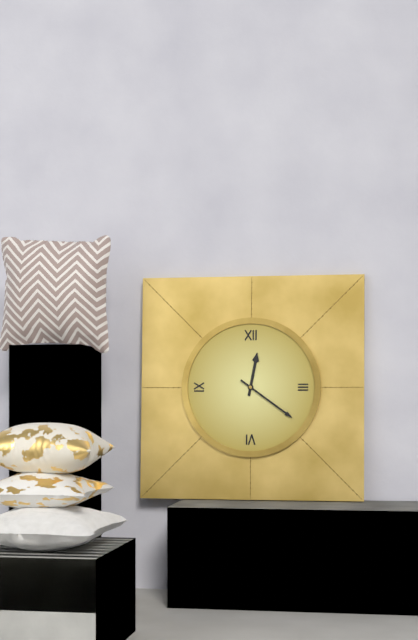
12:21
